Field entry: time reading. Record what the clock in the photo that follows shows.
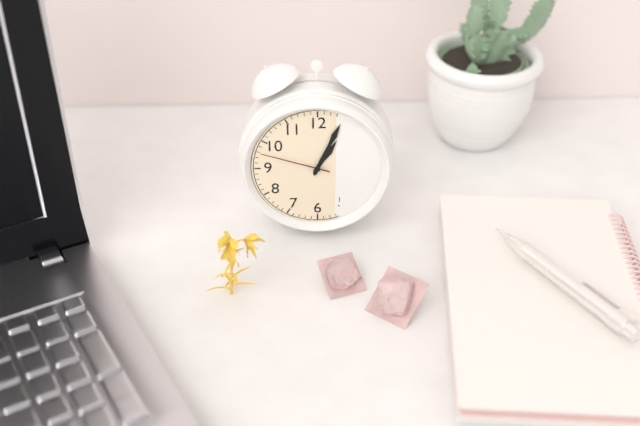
1:04:48
